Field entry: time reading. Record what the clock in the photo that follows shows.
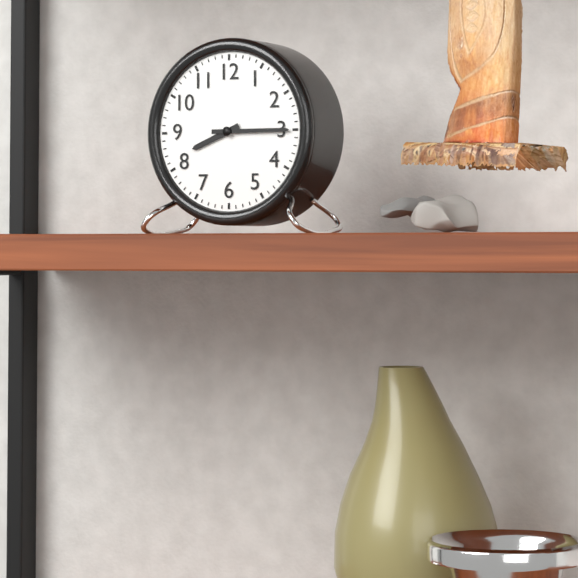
8:15
